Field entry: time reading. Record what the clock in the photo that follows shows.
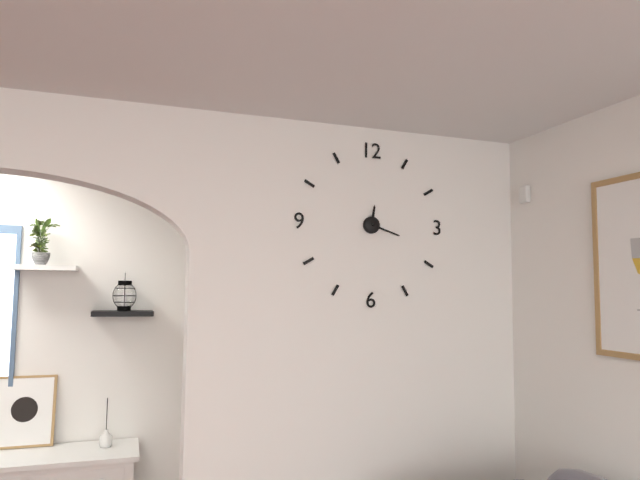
12:18
